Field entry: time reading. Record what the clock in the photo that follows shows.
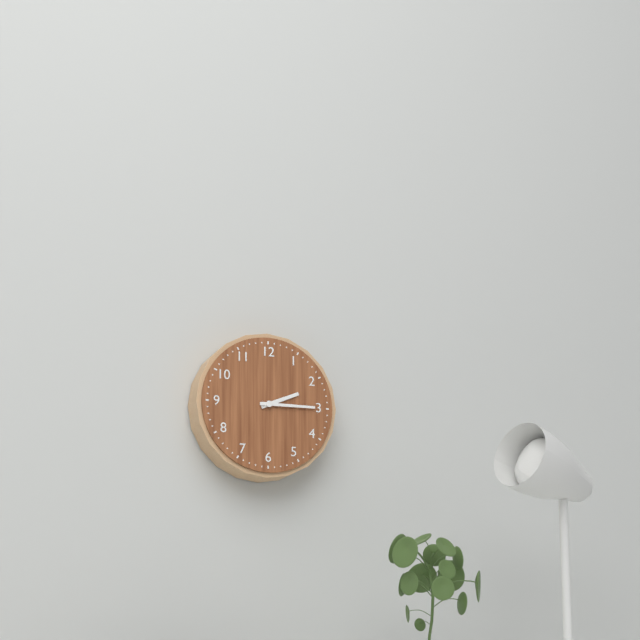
2:15
